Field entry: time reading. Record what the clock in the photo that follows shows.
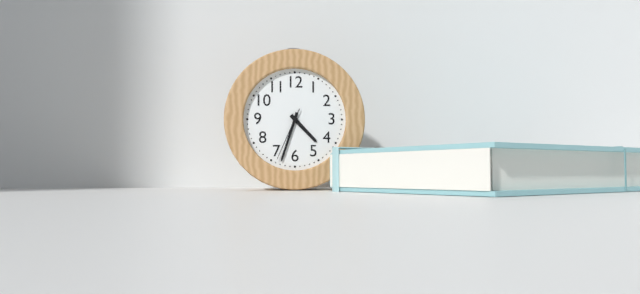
4:33:34
